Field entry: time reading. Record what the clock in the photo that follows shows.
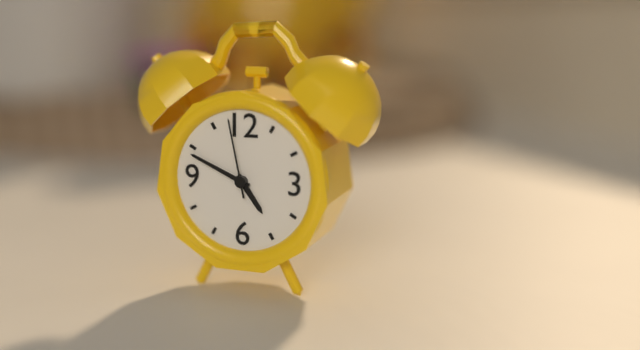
4:49:58
